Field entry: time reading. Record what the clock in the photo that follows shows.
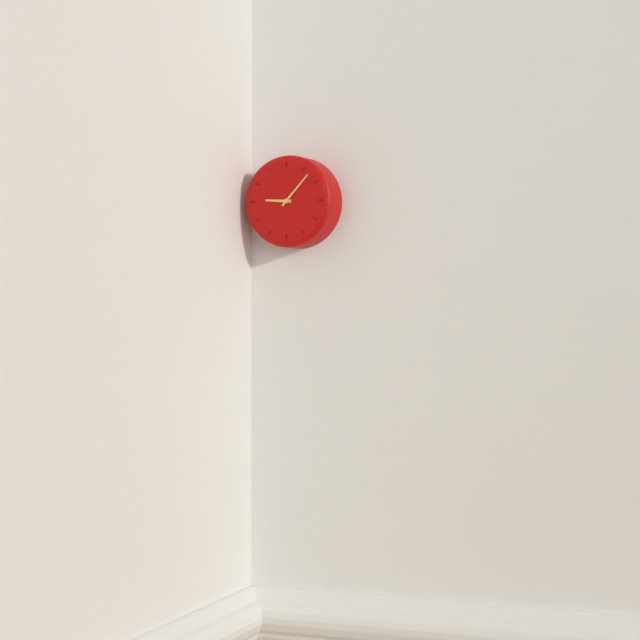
9:07
